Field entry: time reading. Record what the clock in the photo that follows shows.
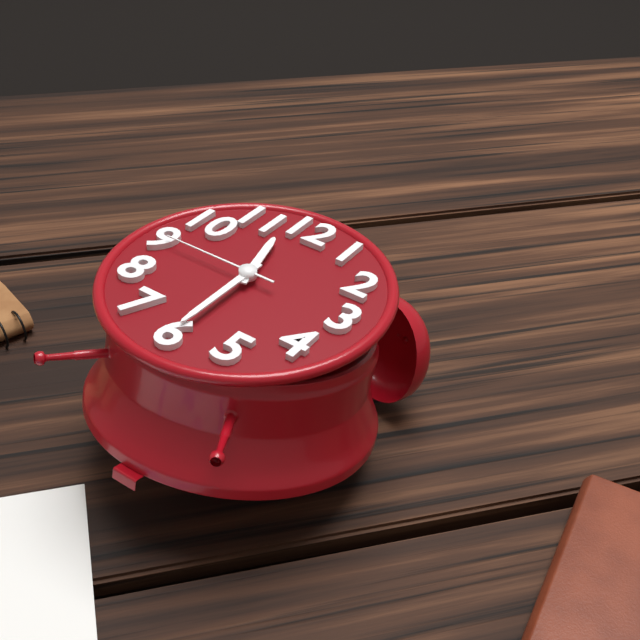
11:30:45
